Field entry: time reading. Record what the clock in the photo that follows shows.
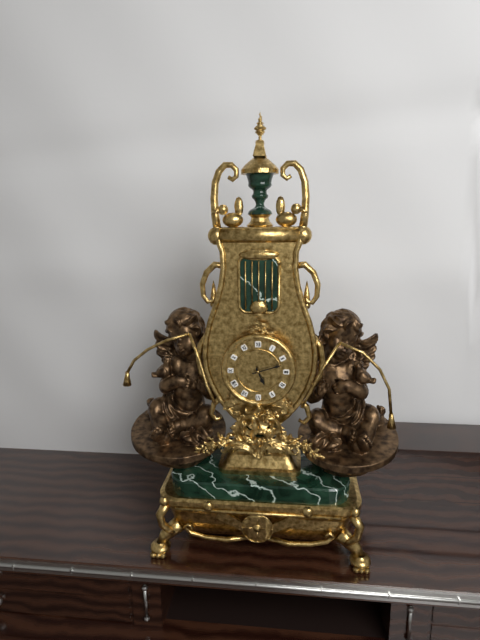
5:12
